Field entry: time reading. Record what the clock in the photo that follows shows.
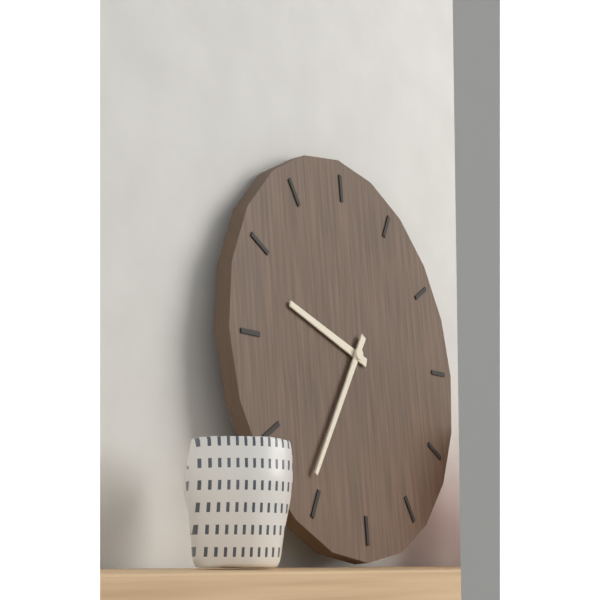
9:36
